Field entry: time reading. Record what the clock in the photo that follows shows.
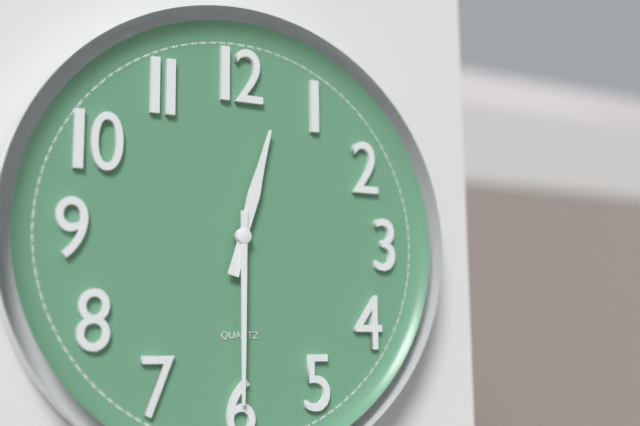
12:30
